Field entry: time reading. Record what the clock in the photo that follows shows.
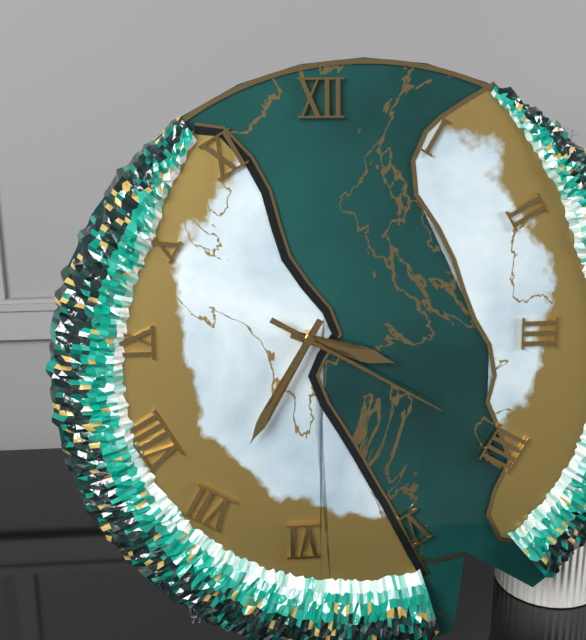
3:35:20
